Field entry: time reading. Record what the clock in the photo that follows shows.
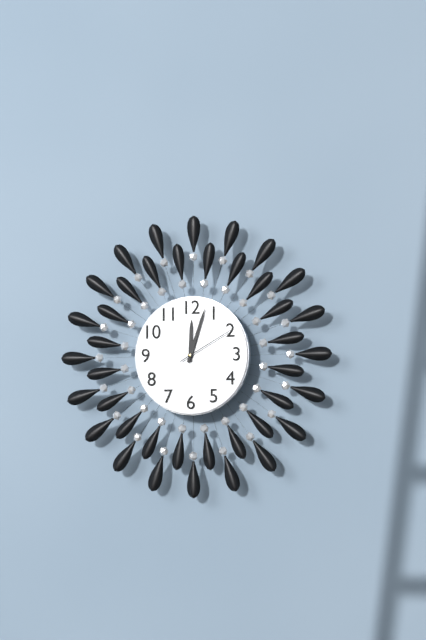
12:03:10
